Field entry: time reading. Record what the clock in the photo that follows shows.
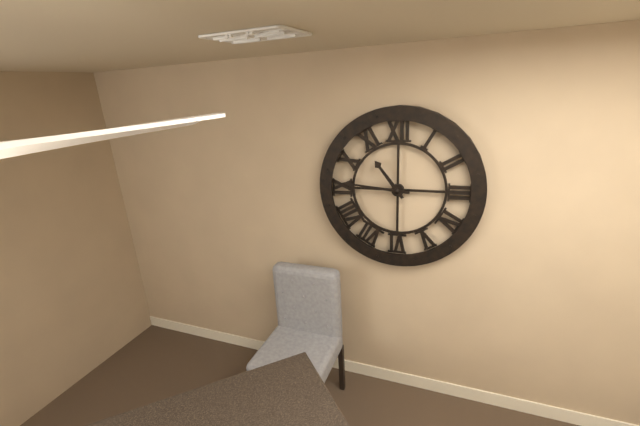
10:46
